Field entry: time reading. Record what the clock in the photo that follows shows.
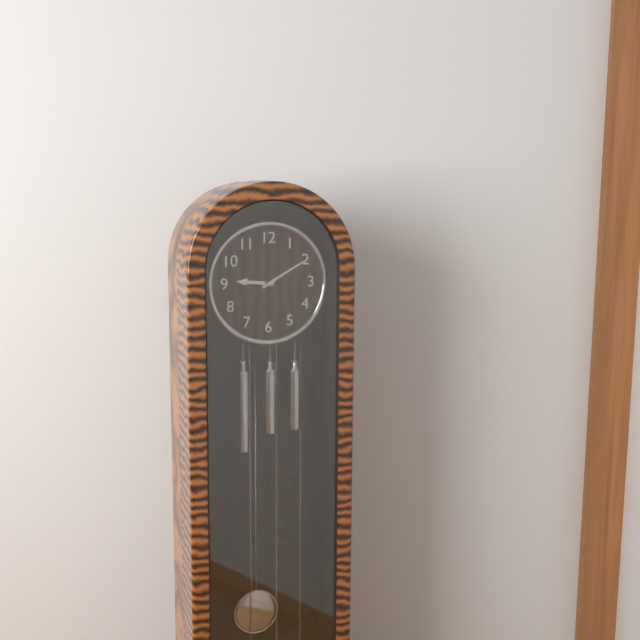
9:10
